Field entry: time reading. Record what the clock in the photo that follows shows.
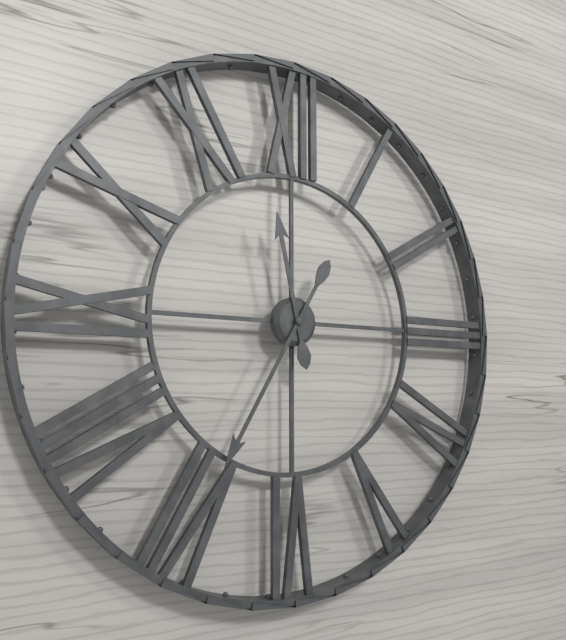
11:35
